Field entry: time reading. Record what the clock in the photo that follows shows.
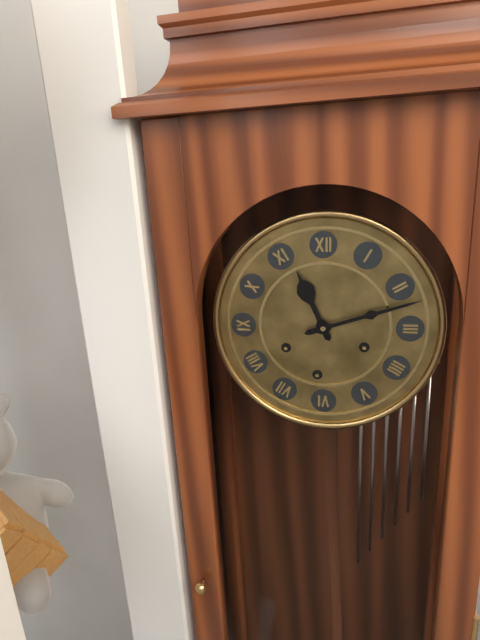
11:12
